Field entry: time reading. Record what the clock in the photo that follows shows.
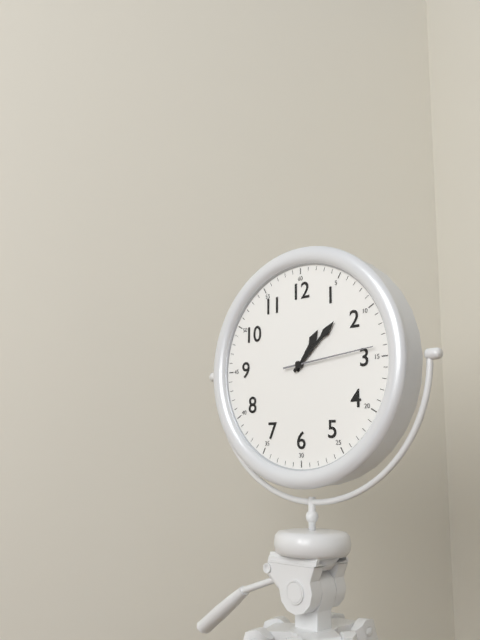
1:08:14
